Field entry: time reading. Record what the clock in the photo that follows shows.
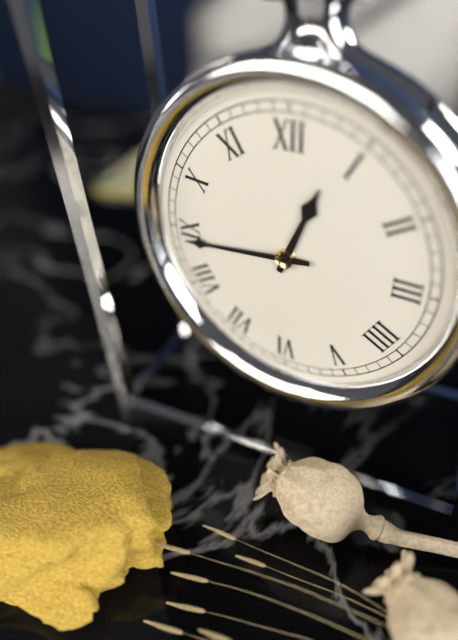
12:44
